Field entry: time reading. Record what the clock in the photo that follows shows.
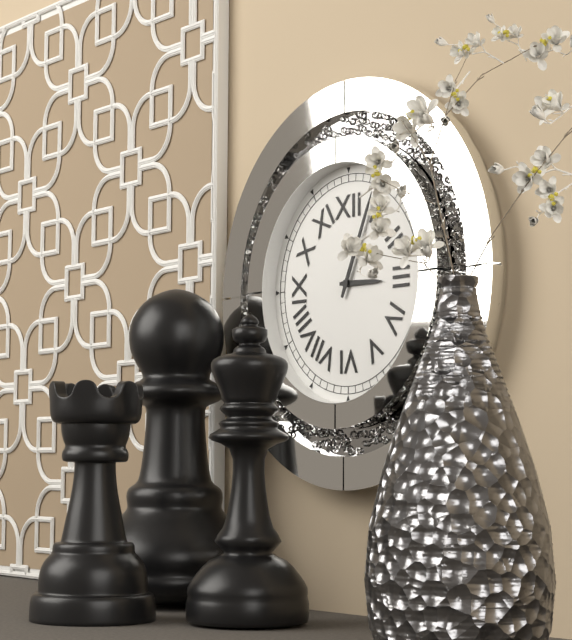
3:04
